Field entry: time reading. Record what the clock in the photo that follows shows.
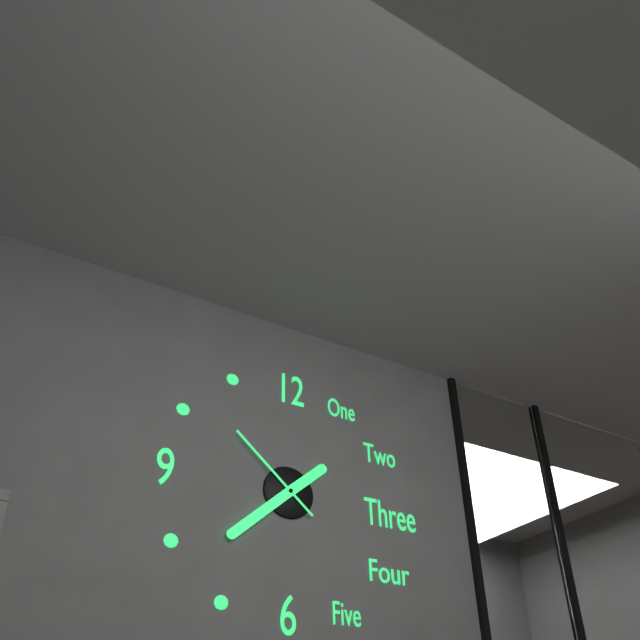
1:38:52
